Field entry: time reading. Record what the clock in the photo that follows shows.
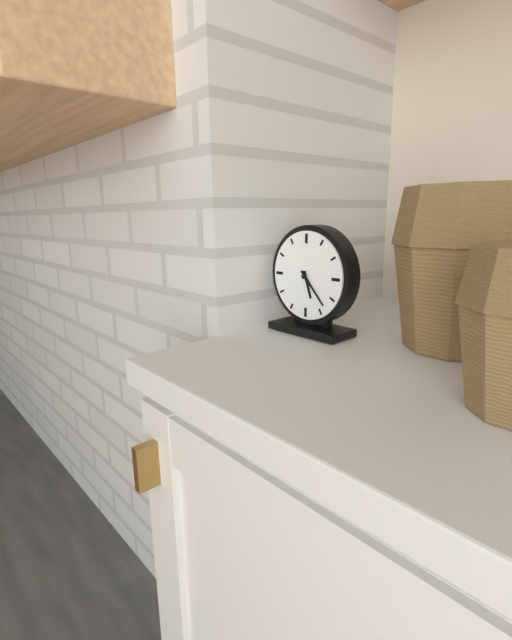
5:23
